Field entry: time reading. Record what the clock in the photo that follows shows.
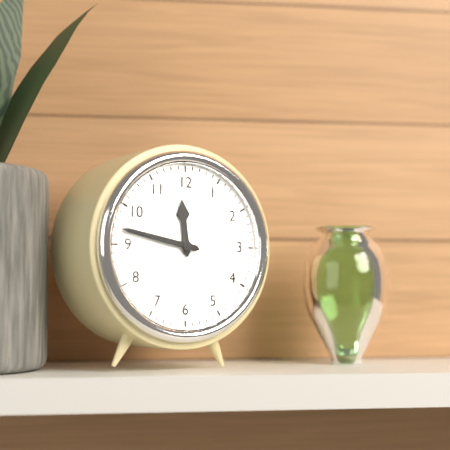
11:47
